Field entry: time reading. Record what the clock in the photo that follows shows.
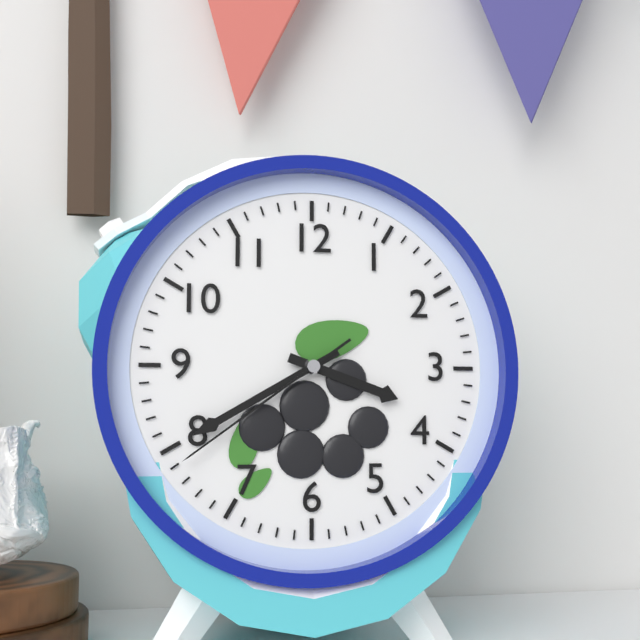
3:40:39
